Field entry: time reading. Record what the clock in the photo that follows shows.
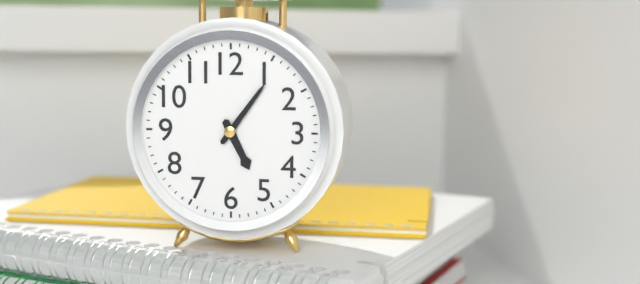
5:06
